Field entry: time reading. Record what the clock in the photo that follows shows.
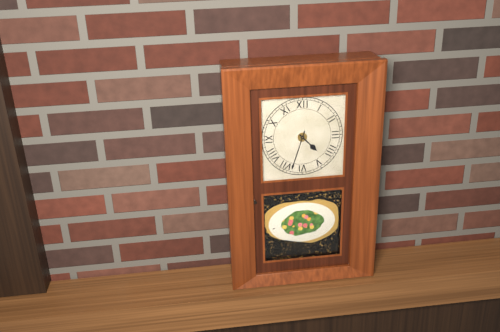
4:33
